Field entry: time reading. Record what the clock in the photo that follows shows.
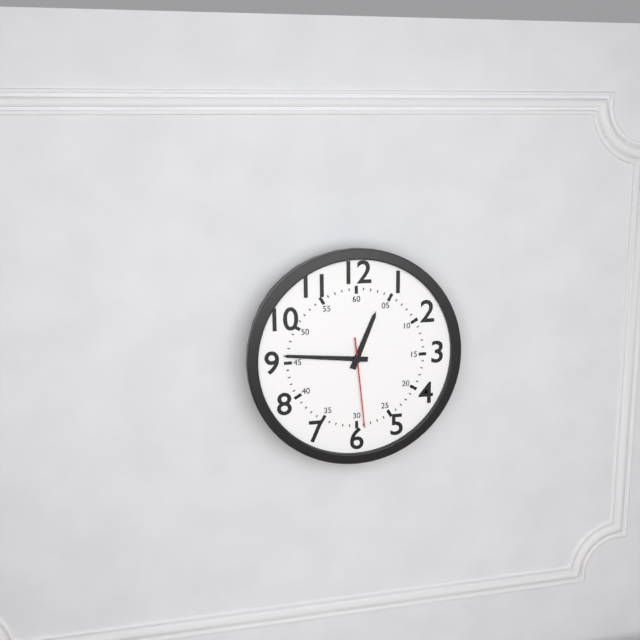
12:46:29
